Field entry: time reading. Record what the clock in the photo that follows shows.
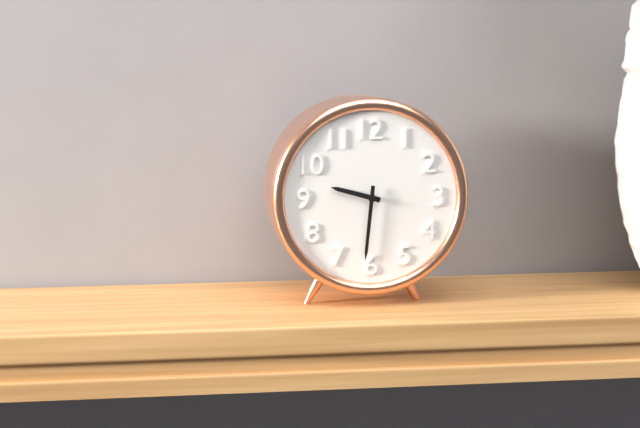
9:31
